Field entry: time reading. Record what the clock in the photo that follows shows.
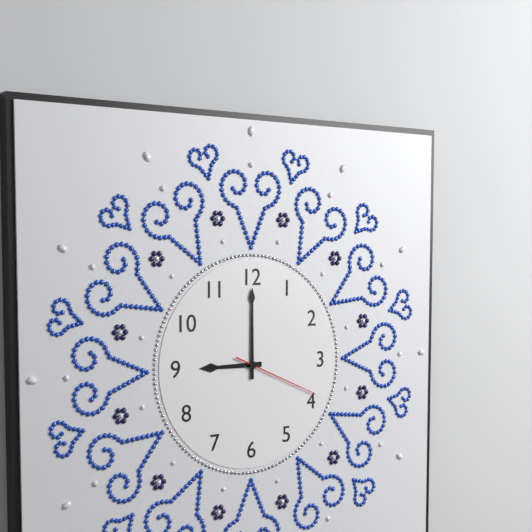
9:00:19
